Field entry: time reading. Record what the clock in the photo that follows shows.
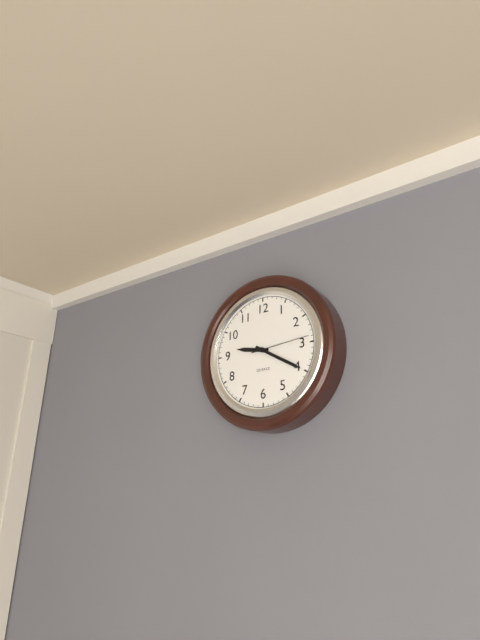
9:20:14
